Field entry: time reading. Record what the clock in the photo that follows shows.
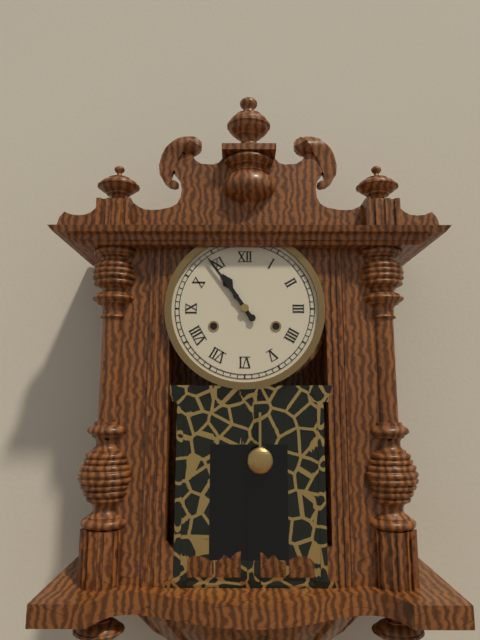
10:54
